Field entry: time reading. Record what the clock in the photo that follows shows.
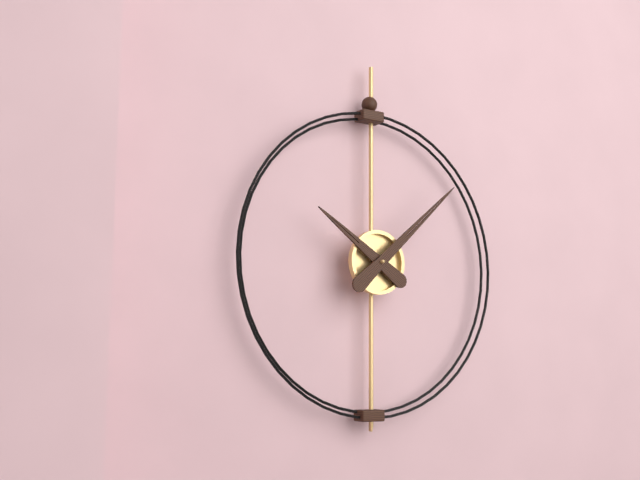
10:08
